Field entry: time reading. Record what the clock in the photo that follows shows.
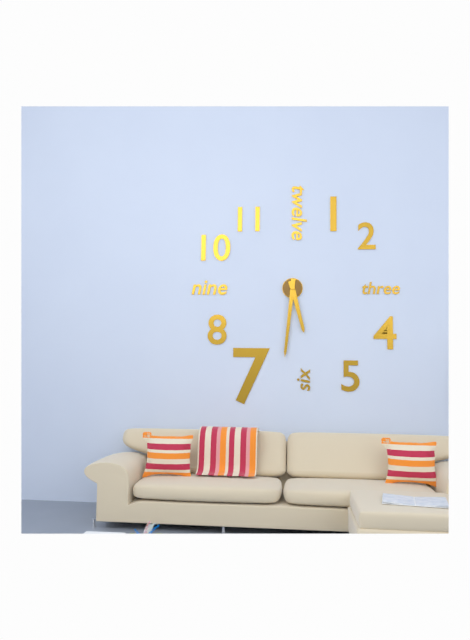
5:31
